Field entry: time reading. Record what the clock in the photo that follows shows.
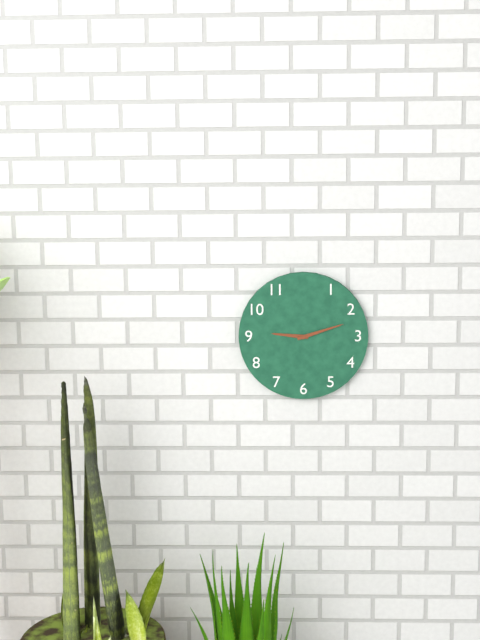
9:12
